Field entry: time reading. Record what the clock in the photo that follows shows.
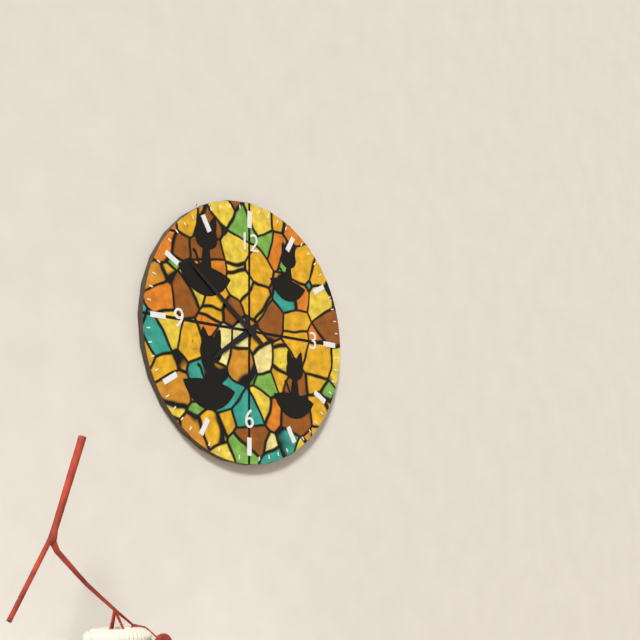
7:51
